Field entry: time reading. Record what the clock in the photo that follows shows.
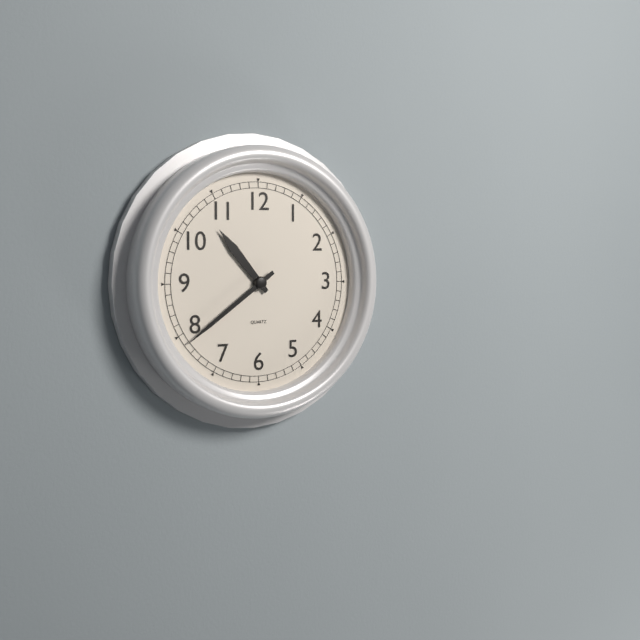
10:39
